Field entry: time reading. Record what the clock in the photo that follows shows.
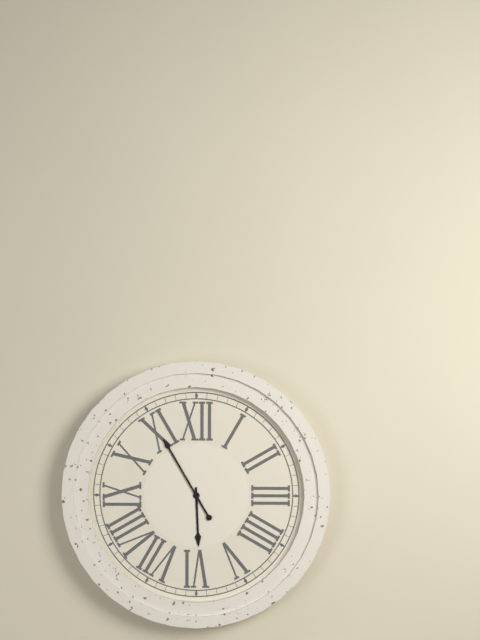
5:55
